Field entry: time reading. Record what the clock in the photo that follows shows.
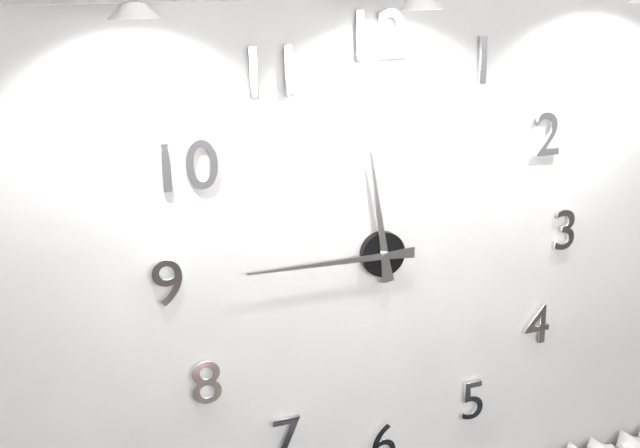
11:45
